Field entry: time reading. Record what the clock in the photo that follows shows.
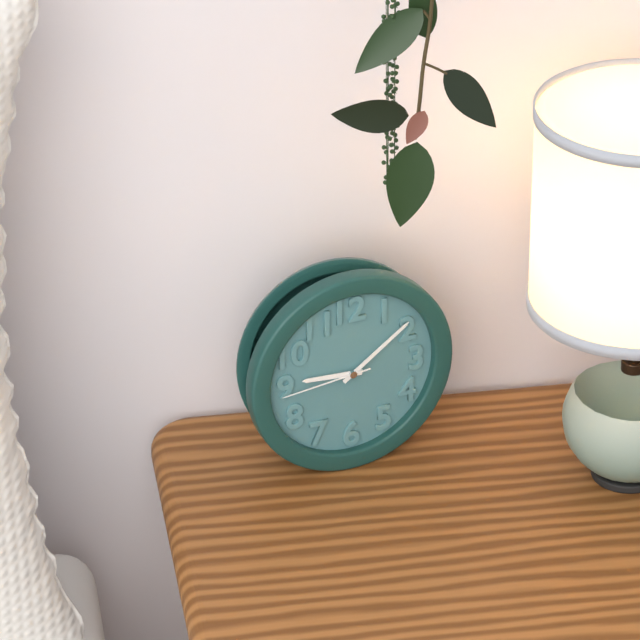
9:09:44
